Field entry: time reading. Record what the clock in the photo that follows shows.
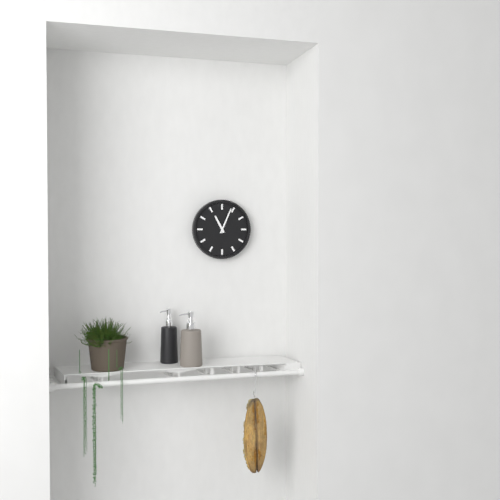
11:04
